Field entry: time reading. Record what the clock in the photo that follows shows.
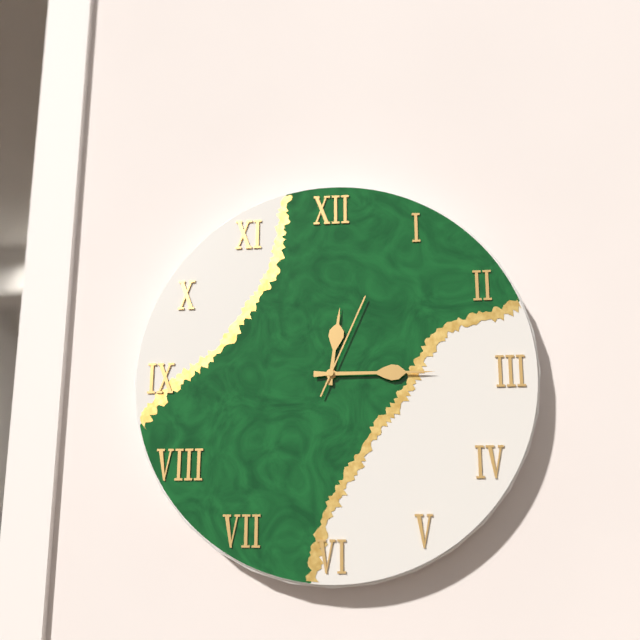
12:15:04
